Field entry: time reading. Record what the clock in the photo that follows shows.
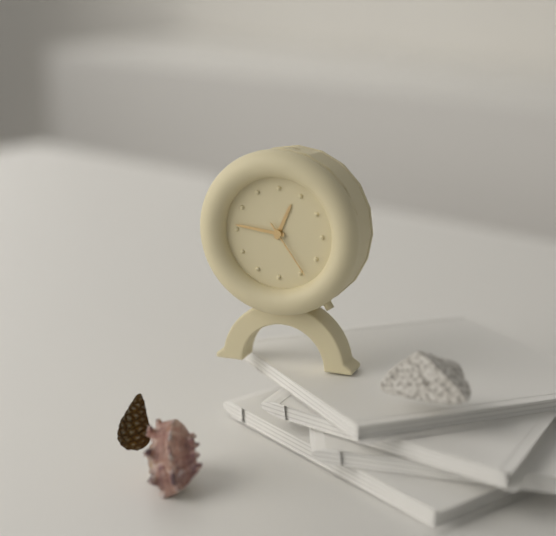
12:46:24
